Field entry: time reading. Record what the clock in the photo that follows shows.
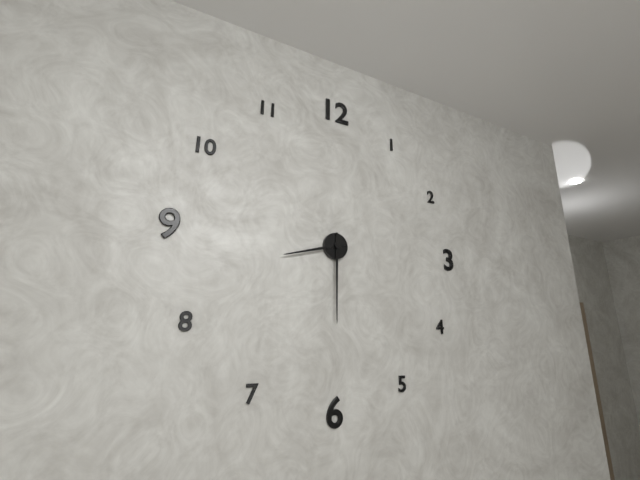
8:30
